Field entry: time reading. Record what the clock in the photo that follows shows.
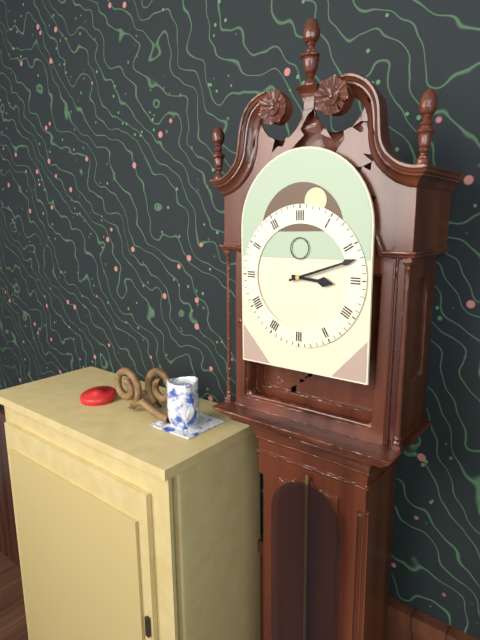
3:12
